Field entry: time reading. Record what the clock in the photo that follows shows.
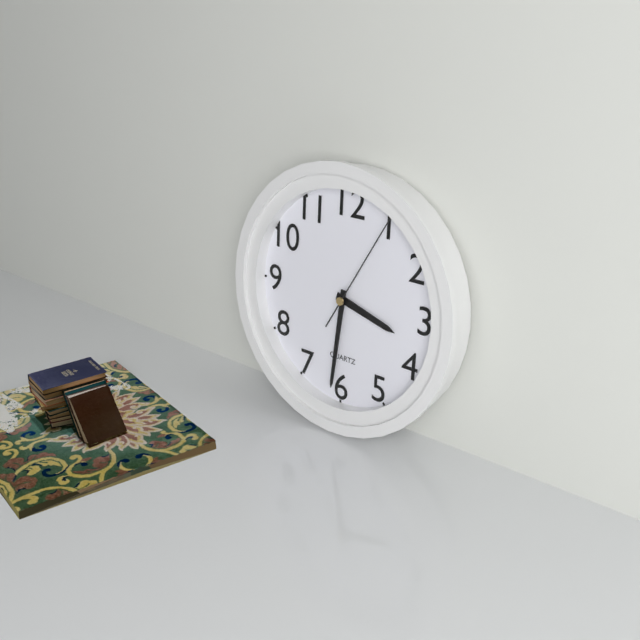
3:31:05
